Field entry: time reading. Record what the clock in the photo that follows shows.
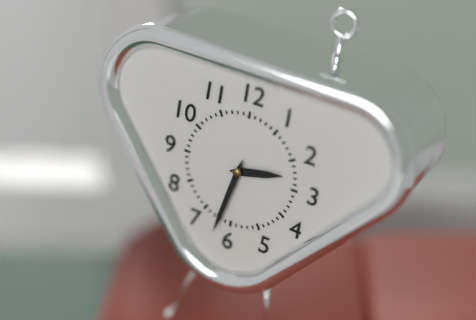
2:32
